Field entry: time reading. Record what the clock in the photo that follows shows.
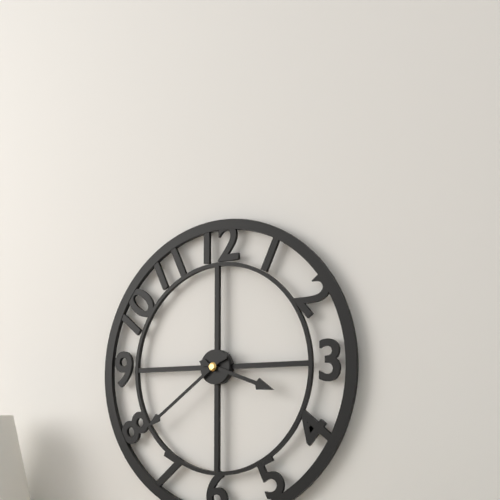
3:39
